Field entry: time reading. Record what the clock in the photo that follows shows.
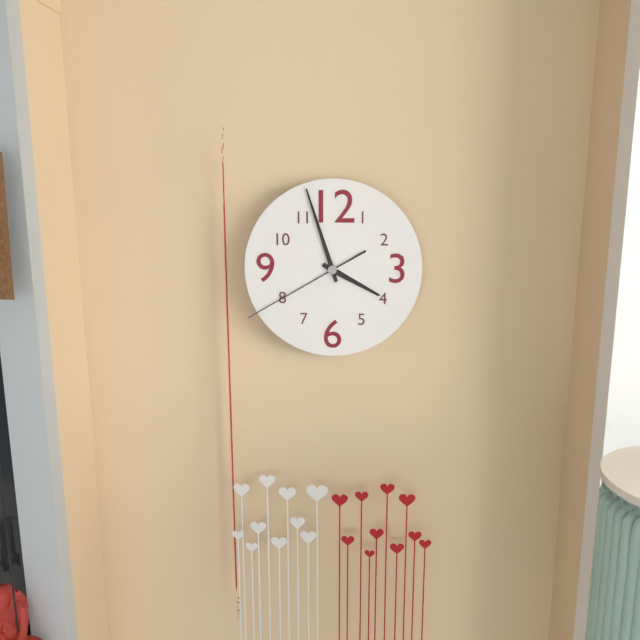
3:57:40
